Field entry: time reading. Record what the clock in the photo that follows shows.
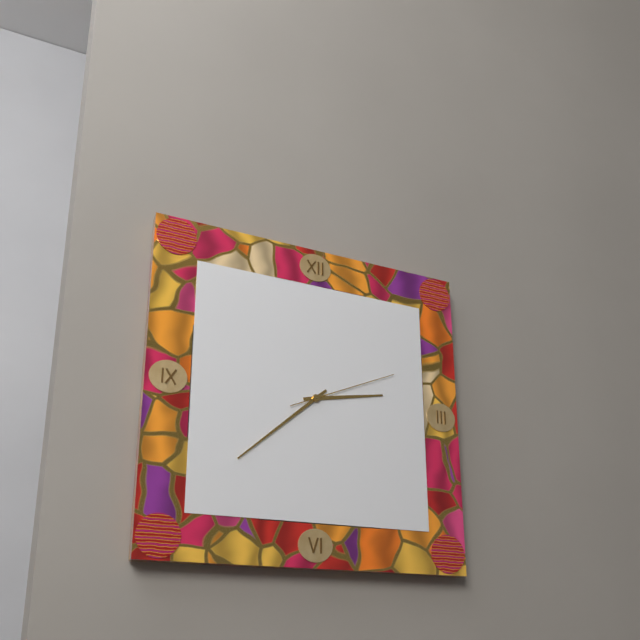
2:38:11
